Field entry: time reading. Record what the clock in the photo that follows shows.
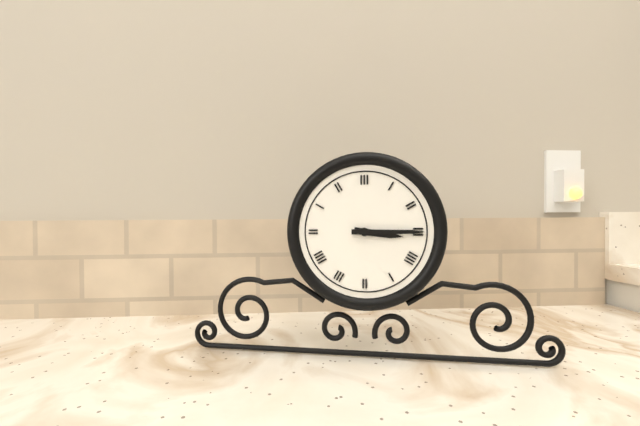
3:15
